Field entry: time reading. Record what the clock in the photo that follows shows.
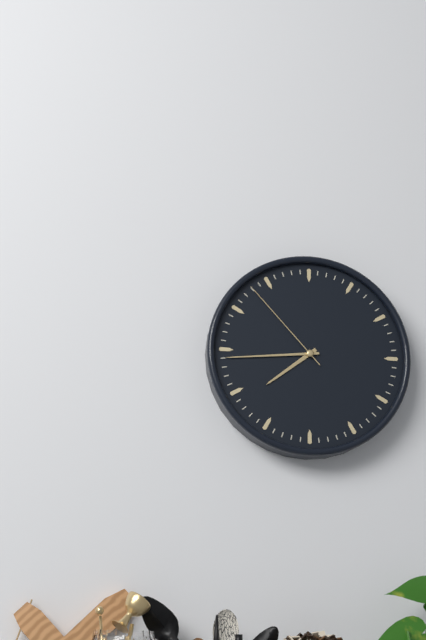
7:44:53
